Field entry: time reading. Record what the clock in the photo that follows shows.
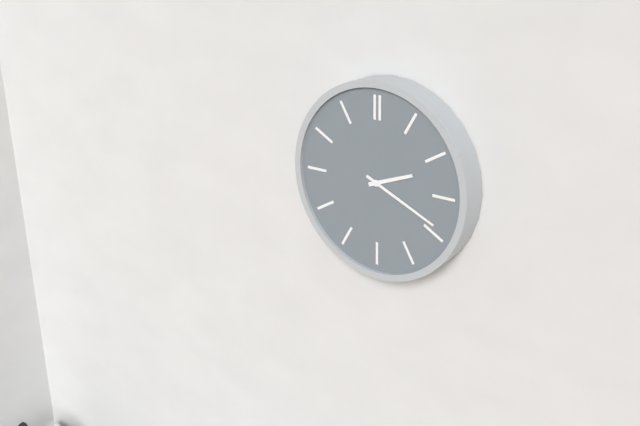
2:19
